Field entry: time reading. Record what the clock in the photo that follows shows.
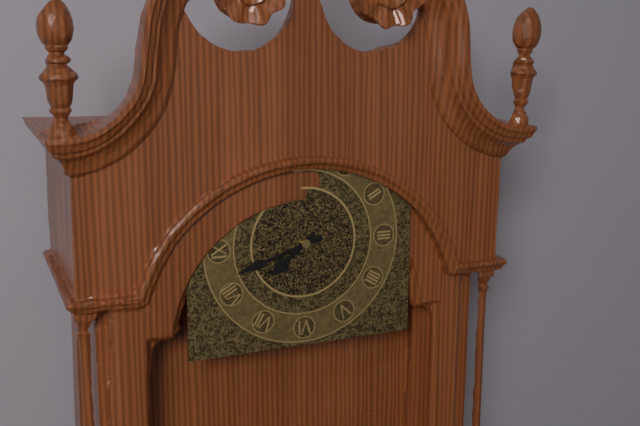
7:42
